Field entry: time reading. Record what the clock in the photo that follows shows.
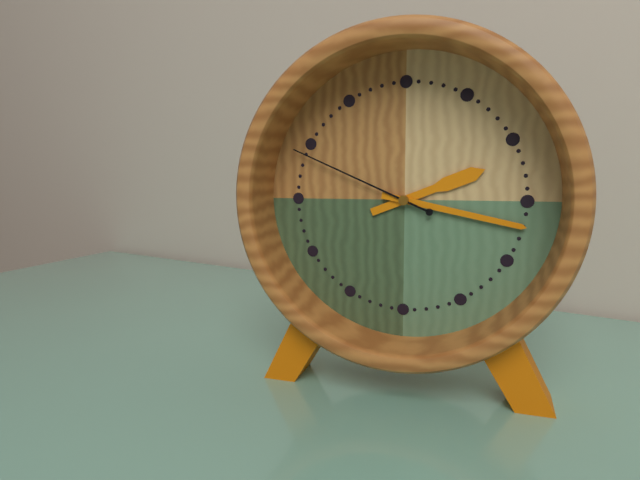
2:17:49
